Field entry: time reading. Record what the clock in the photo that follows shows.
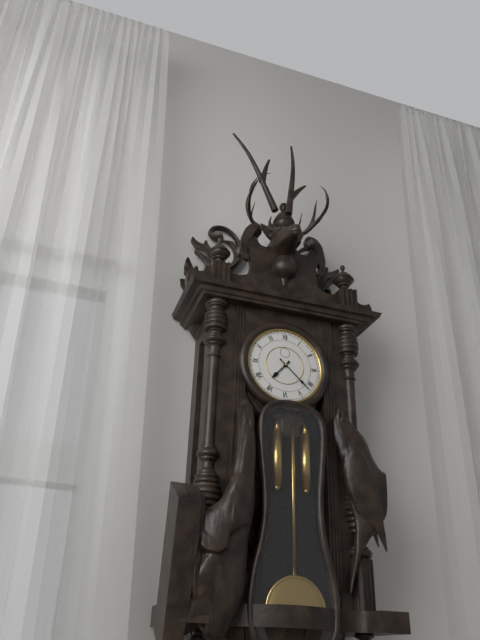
7:22
